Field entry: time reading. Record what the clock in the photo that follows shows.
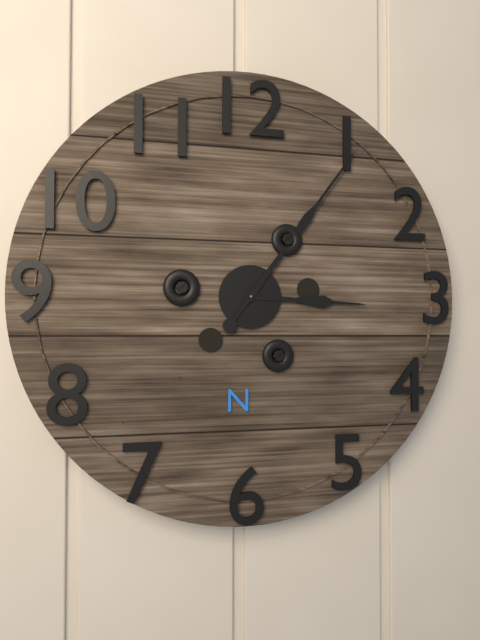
3:06
